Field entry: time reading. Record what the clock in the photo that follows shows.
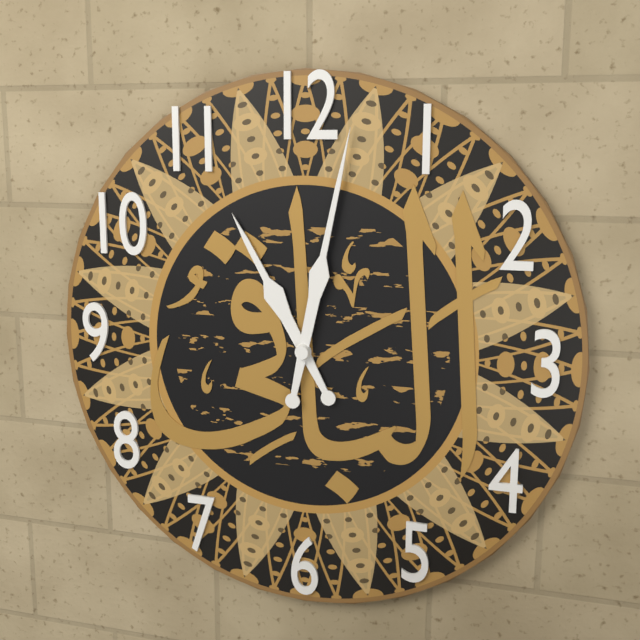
11:02
